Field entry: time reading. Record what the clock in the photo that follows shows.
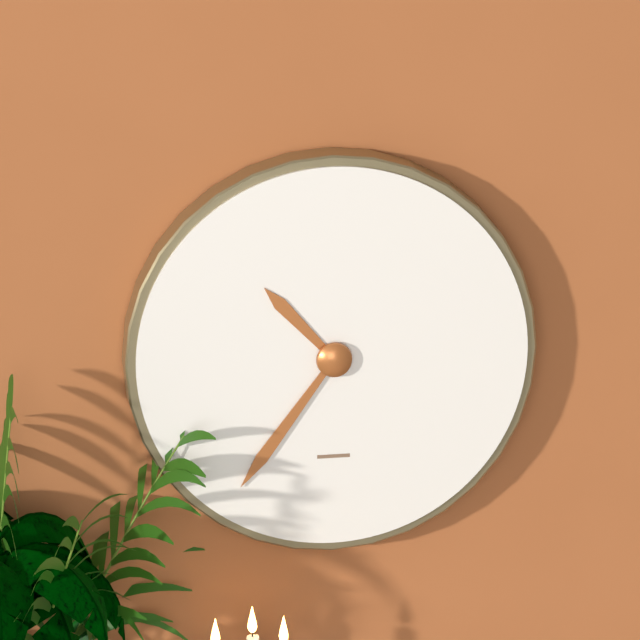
10:36
